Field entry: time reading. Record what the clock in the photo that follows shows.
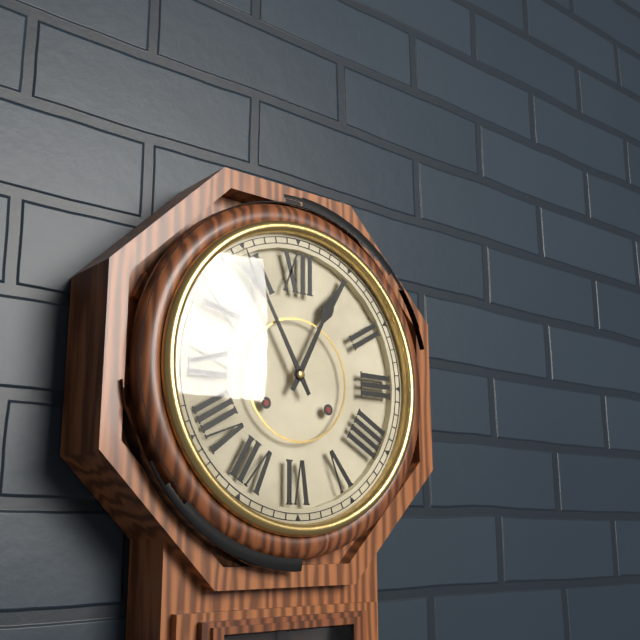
12:55
